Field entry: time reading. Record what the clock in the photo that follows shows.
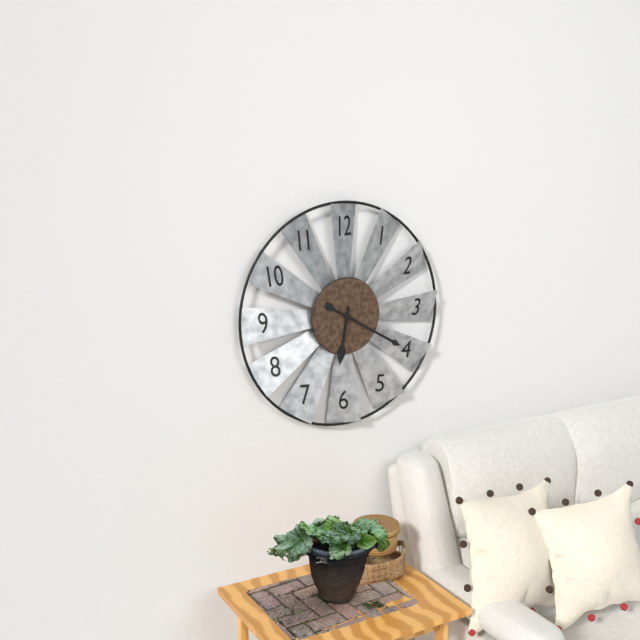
6:20
